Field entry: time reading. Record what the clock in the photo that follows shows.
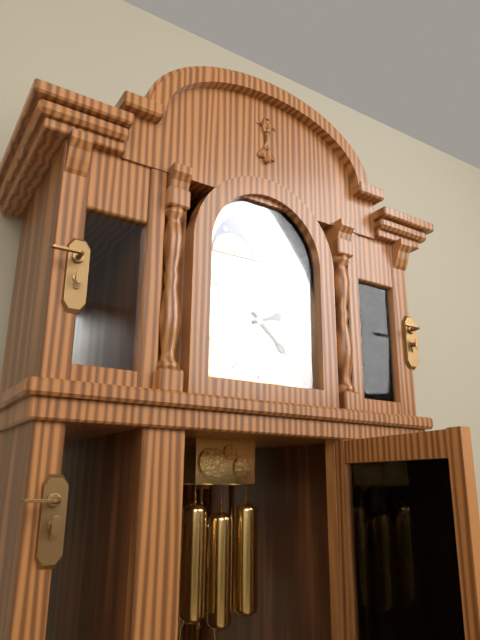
2:22
